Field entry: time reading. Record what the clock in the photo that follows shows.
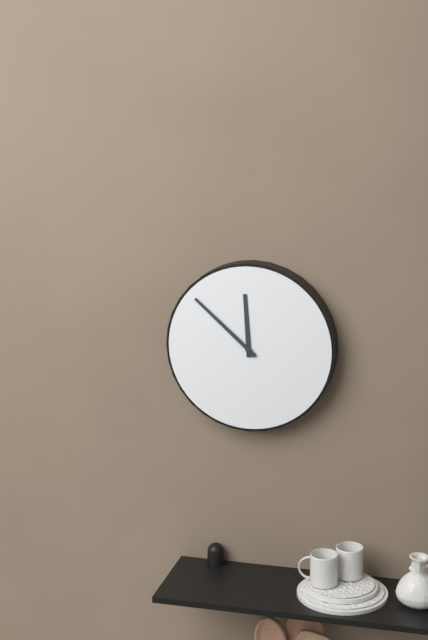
11:52
